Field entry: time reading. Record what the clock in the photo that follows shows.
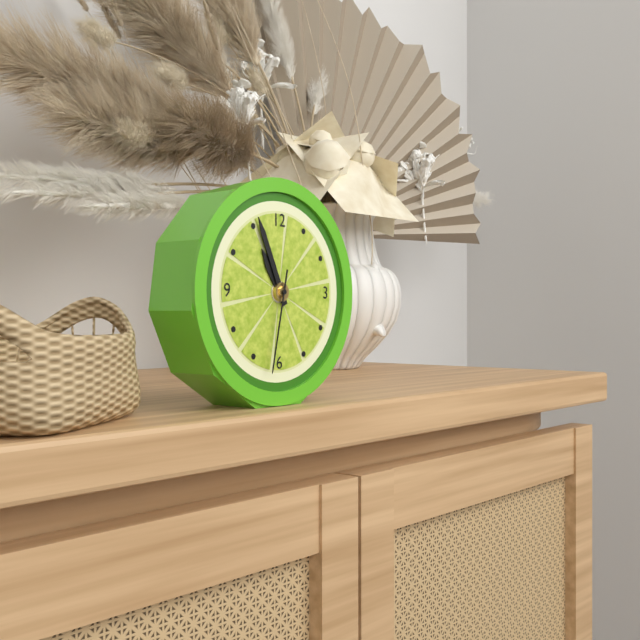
10:56:32
